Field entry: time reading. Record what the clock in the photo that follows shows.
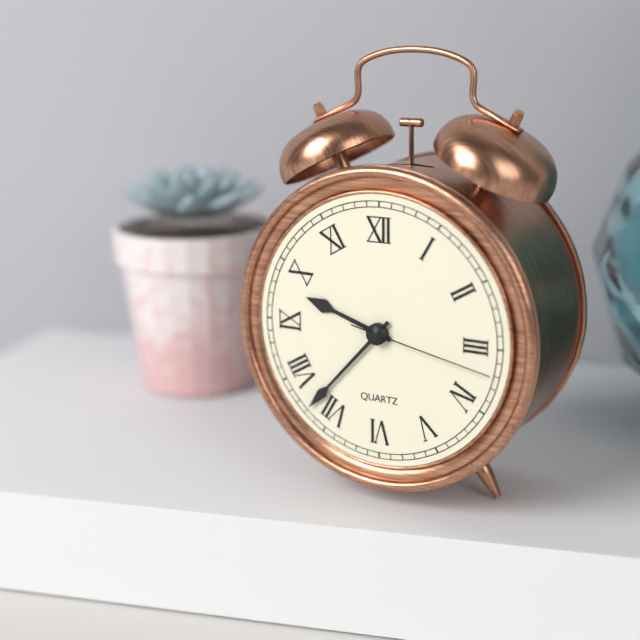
9:37:17
